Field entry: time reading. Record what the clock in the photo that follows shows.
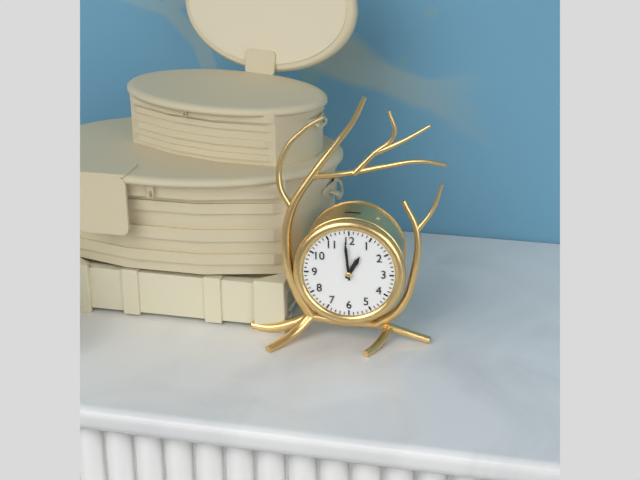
12:59
